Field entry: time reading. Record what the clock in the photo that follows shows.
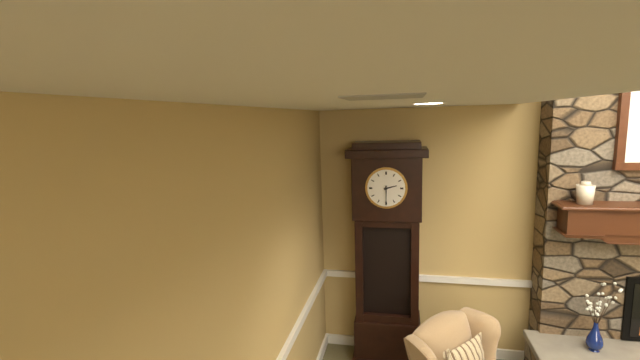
2:30
